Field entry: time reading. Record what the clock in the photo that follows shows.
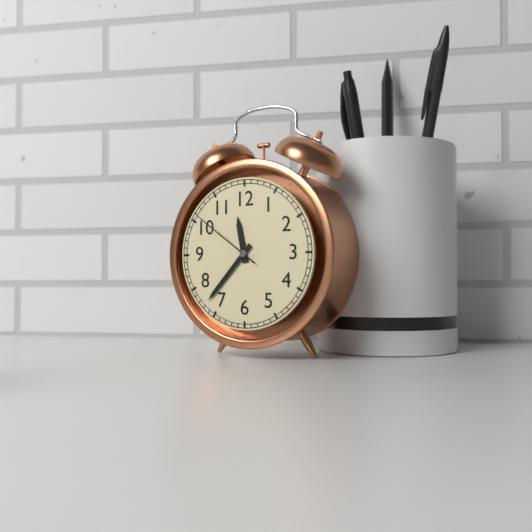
11:37:51
